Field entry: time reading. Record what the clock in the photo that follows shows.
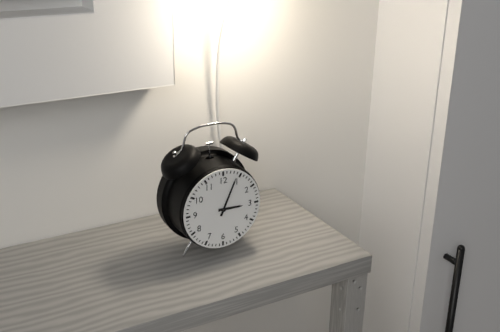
3:04
